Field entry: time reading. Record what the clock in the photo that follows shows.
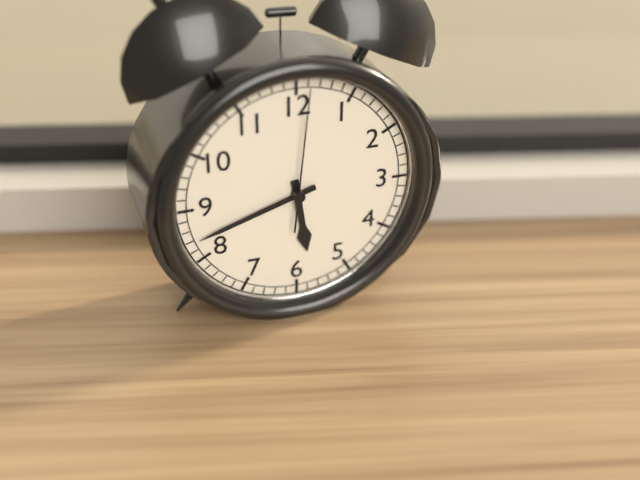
5:42:01
